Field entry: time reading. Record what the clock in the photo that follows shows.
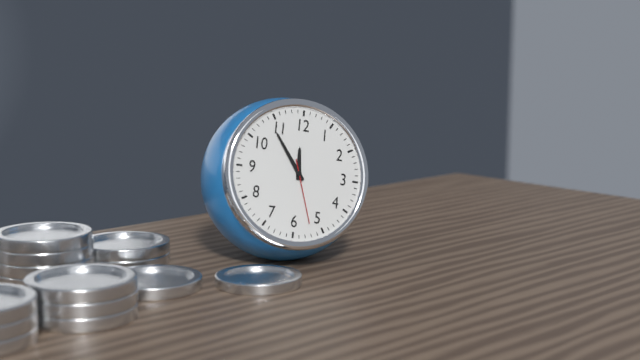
11:54:27
